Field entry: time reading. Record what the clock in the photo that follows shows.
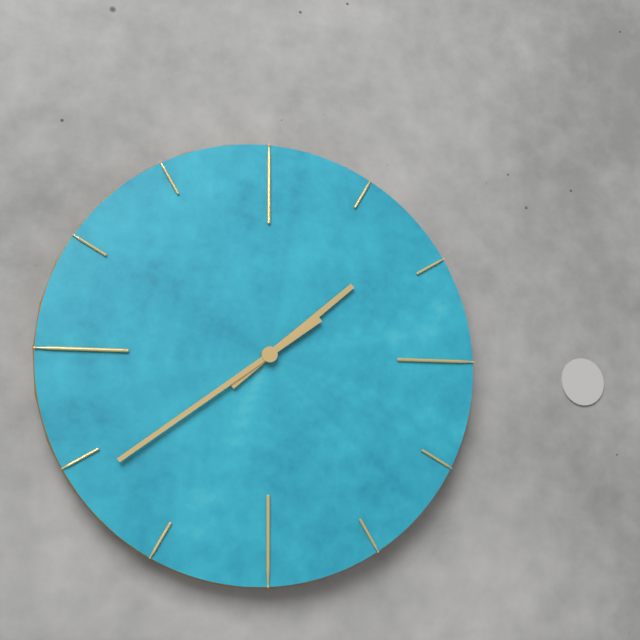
1:39
